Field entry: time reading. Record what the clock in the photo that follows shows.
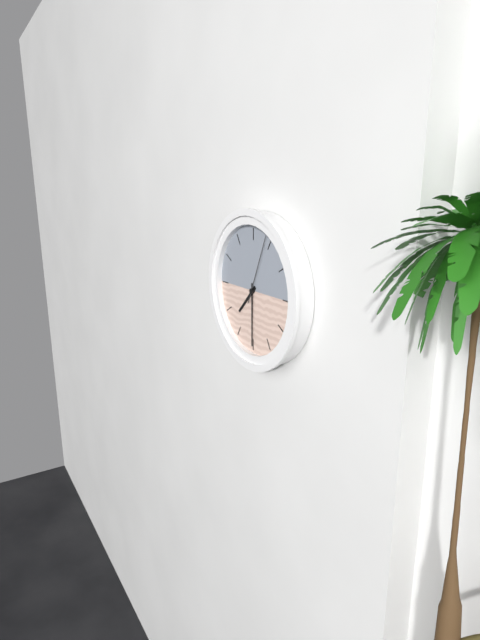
7:30:04
